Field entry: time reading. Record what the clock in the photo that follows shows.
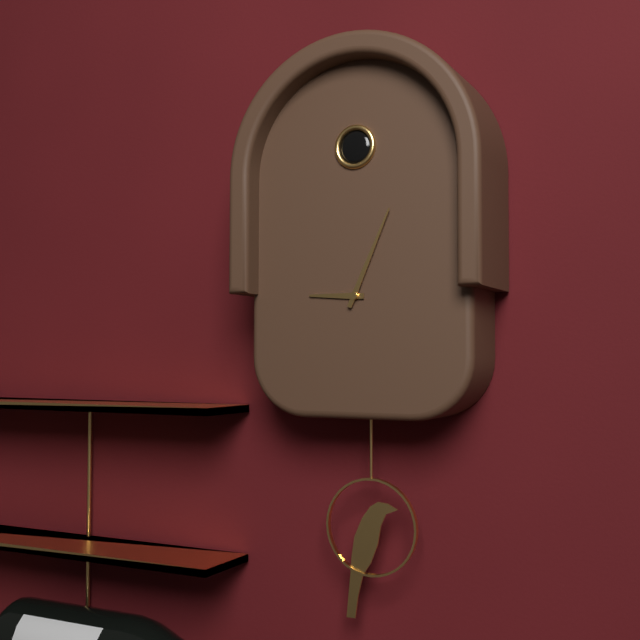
9:04
